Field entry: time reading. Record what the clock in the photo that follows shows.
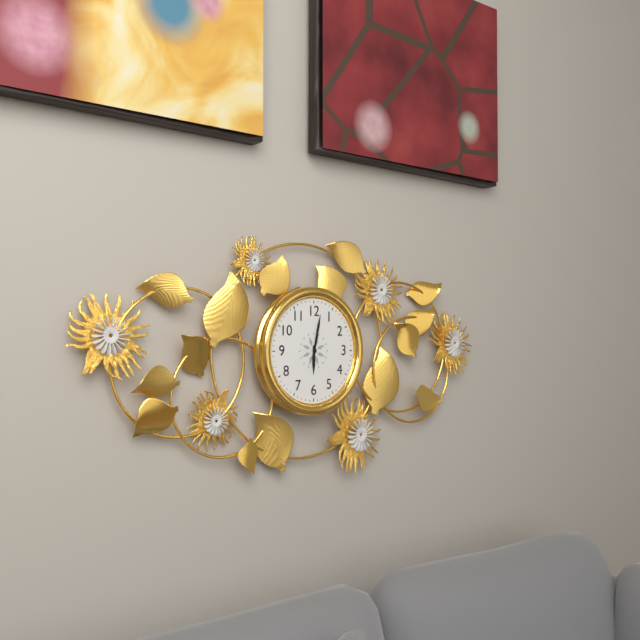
6:02
